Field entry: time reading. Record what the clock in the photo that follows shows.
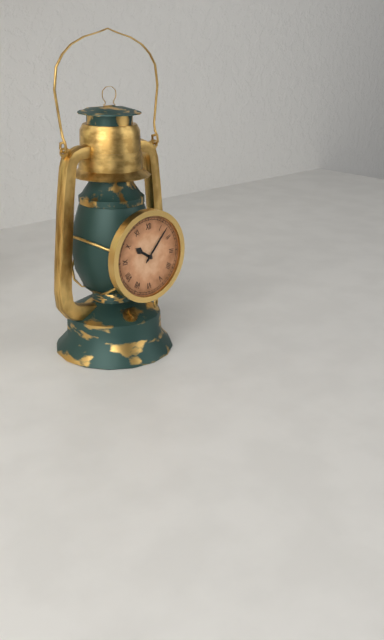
10:07
